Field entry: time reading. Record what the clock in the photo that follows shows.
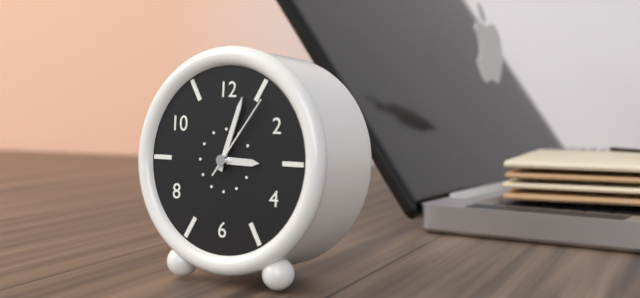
3:03:06
